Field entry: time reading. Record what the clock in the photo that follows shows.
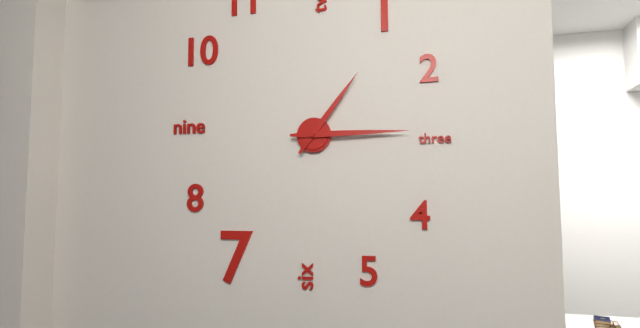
1:15
